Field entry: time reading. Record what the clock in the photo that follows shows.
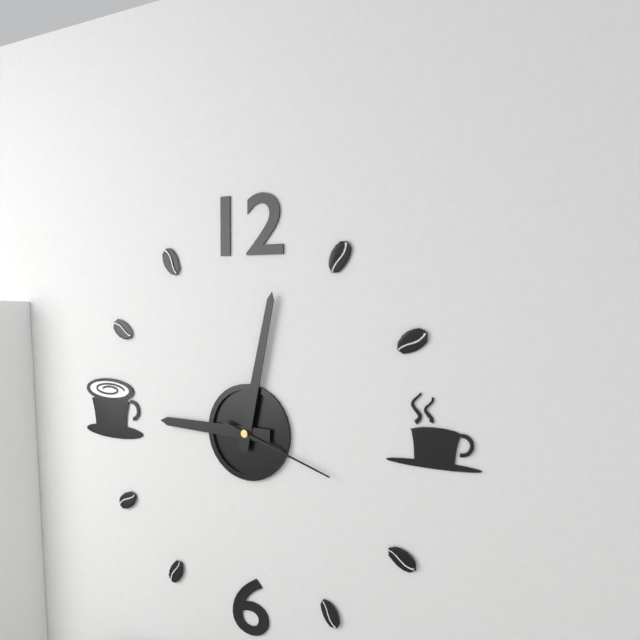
9:02:18
